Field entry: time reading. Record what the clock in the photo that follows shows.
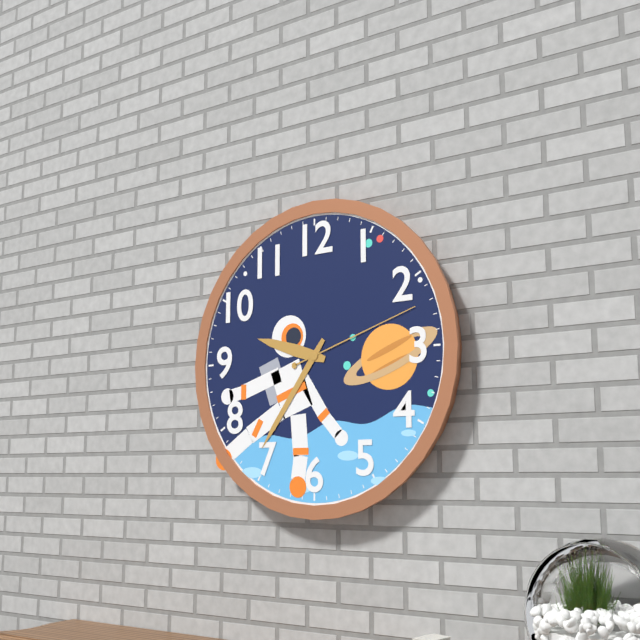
9:36:12
